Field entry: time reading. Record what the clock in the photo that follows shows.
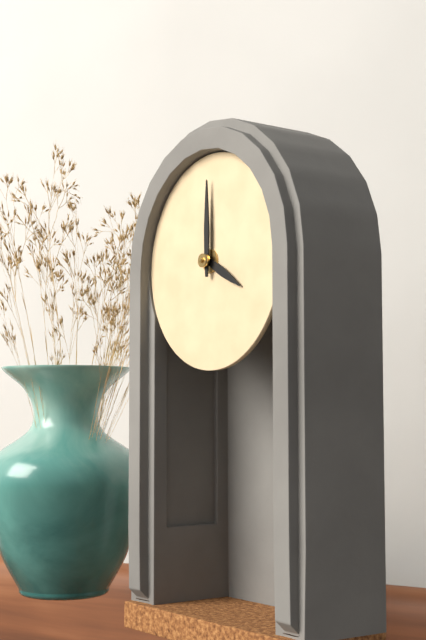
4:00
